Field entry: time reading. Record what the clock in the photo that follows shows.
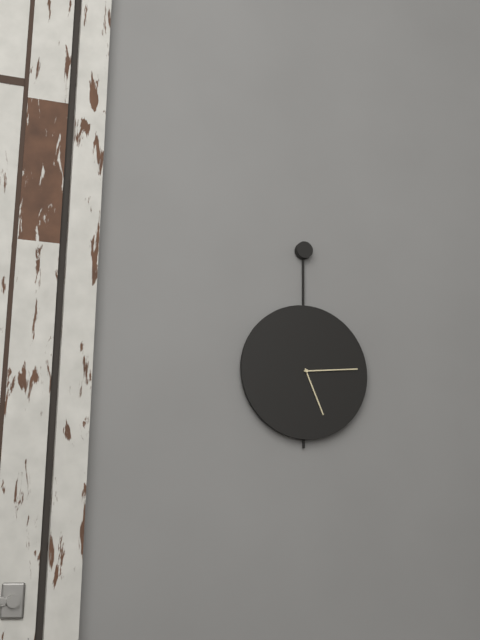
5:14
